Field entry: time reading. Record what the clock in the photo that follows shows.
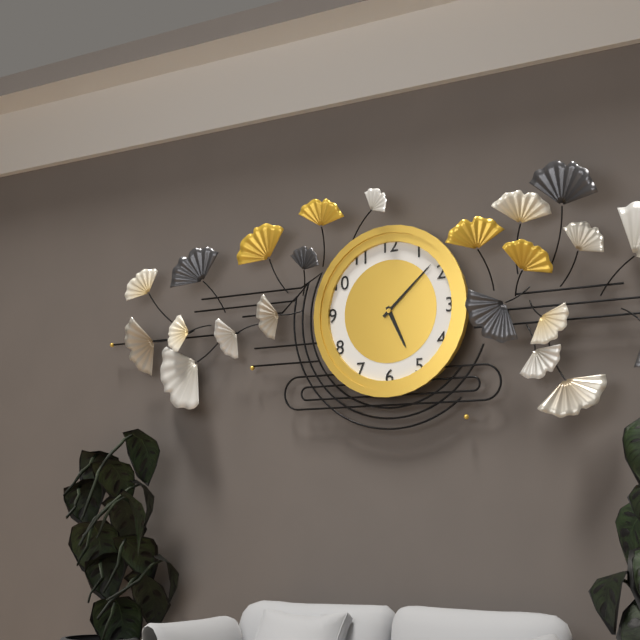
5:08
